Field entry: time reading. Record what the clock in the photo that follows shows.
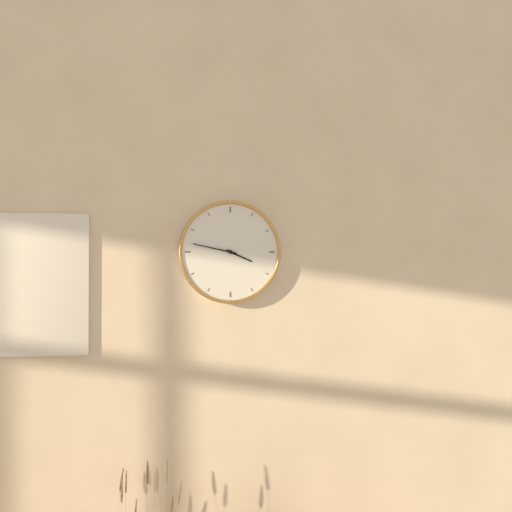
3:47
